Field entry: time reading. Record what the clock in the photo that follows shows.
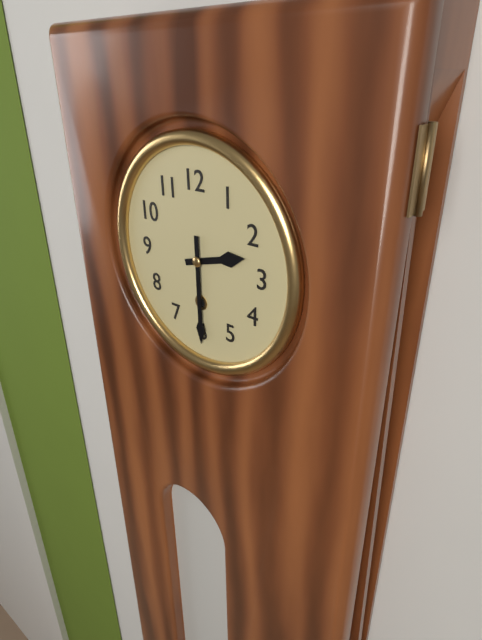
2:30
